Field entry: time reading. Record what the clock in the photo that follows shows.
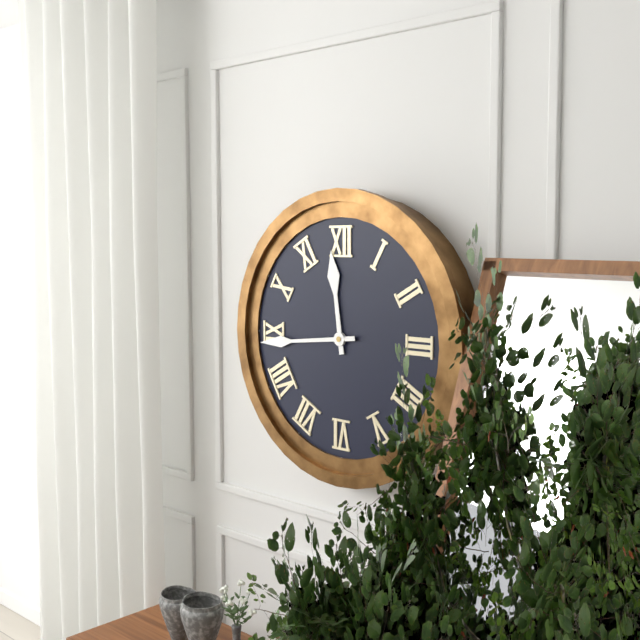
11:44
